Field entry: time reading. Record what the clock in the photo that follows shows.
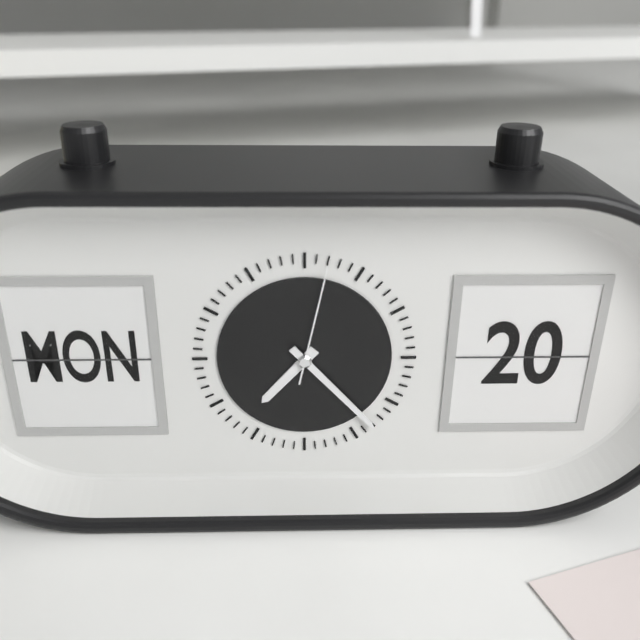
7:23:02
